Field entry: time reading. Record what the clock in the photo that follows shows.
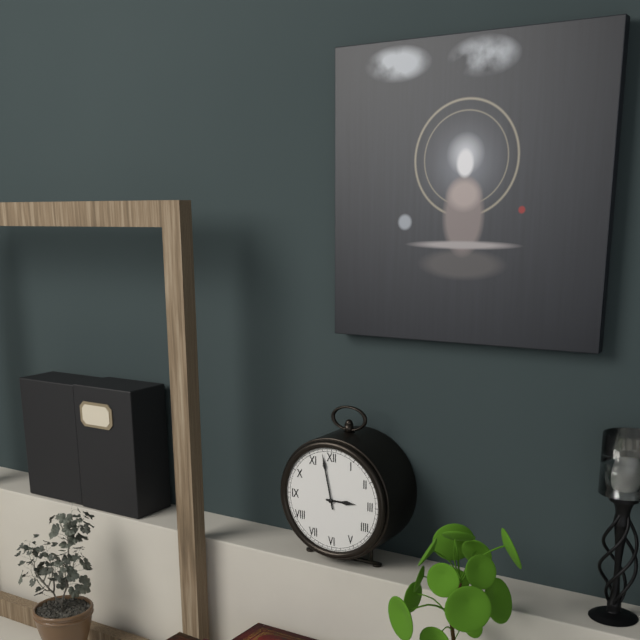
2:58
